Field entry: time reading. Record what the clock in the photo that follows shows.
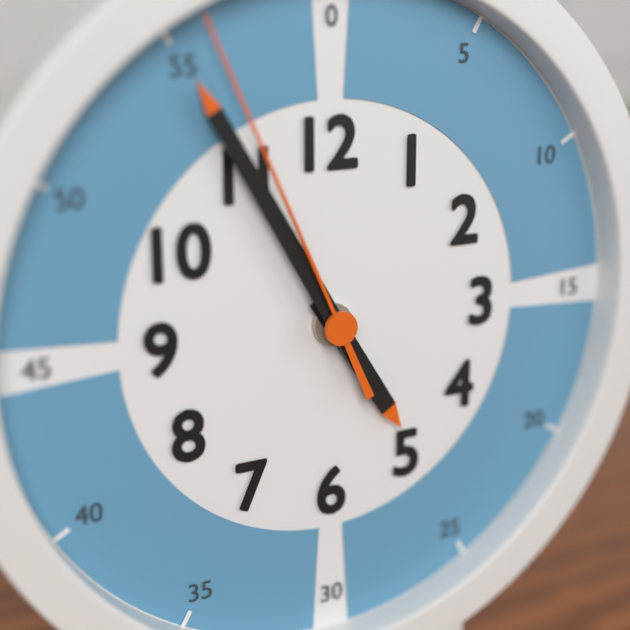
4:55:56
